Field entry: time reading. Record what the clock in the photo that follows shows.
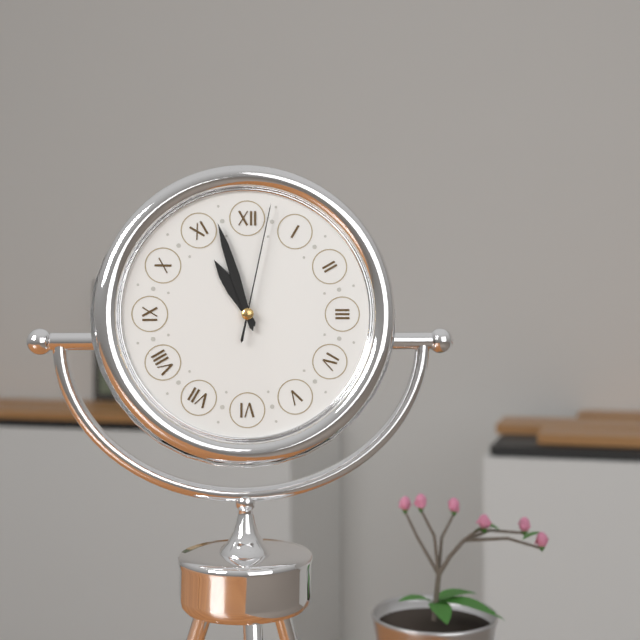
10:57:02
